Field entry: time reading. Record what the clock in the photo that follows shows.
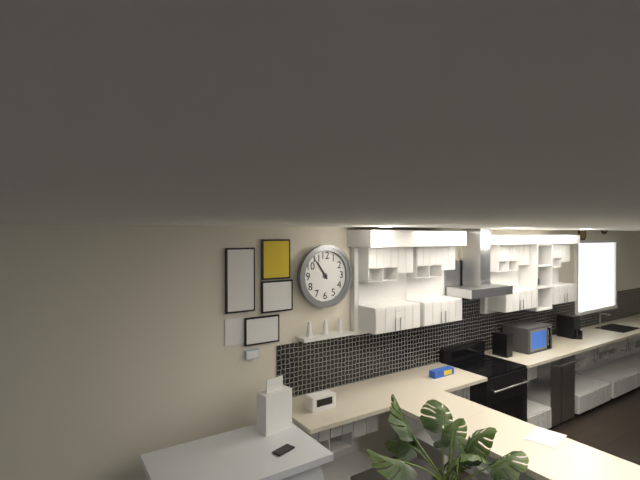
10:54
